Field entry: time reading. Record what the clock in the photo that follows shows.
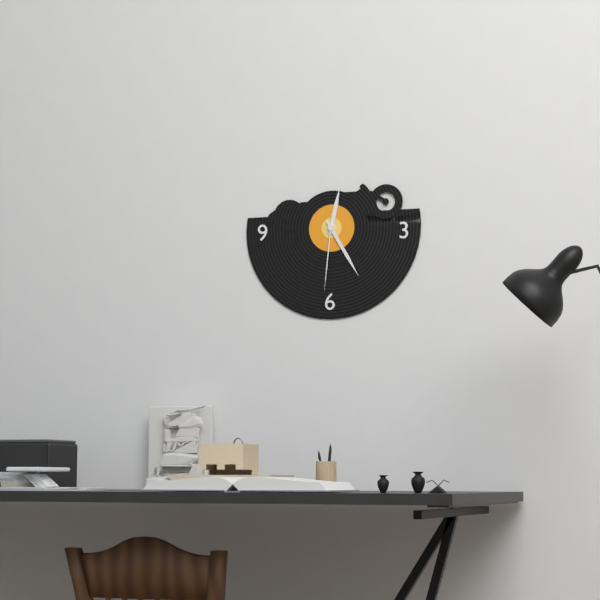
12:25:31
